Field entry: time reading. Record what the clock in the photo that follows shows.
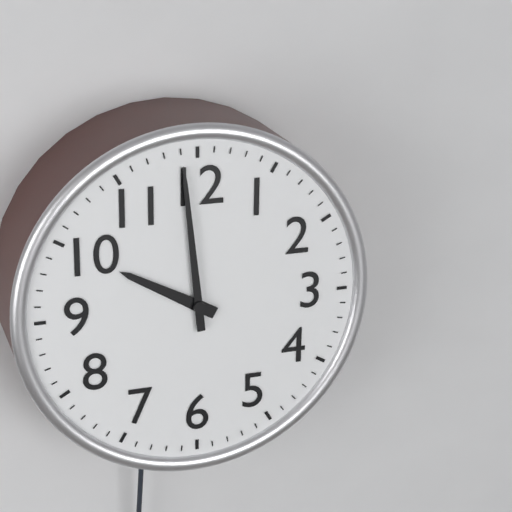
9:59
